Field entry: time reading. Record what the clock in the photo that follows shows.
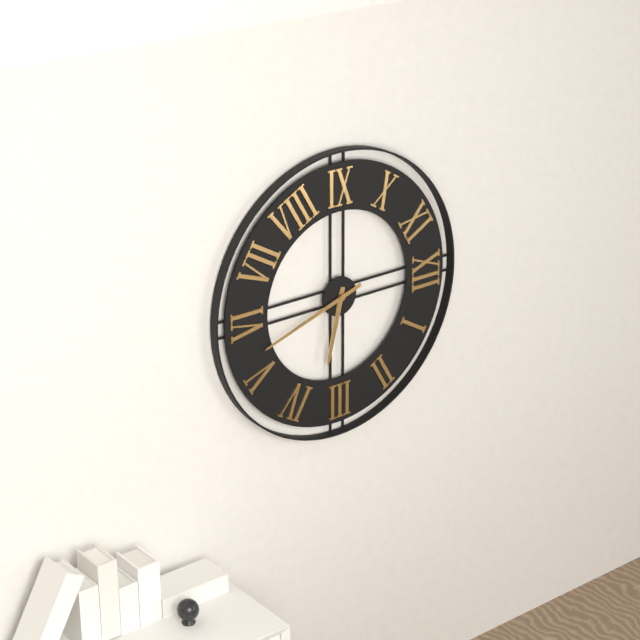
3:27
